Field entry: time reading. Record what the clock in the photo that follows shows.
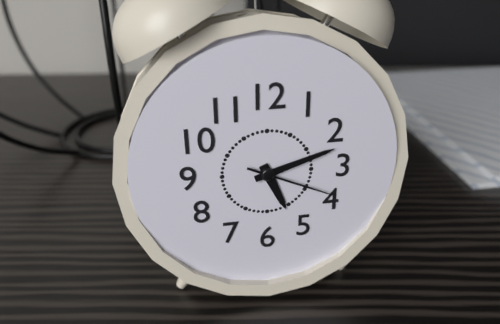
5:12:19
